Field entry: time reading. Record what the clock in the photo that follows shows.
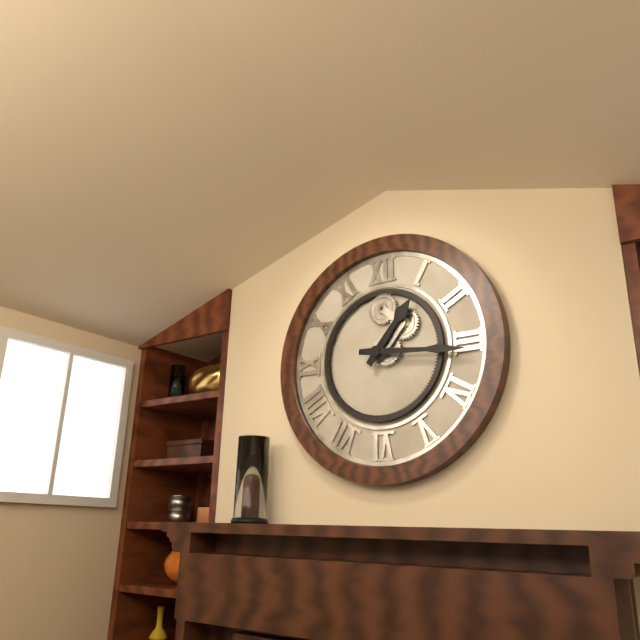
1:16
